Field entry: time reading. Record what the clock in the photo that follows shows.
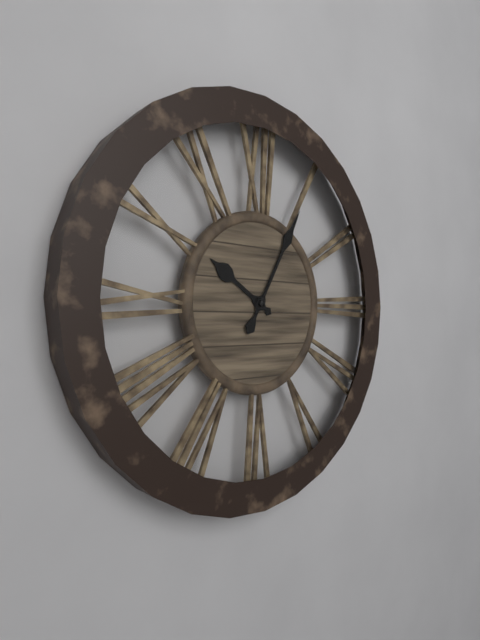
10:05
